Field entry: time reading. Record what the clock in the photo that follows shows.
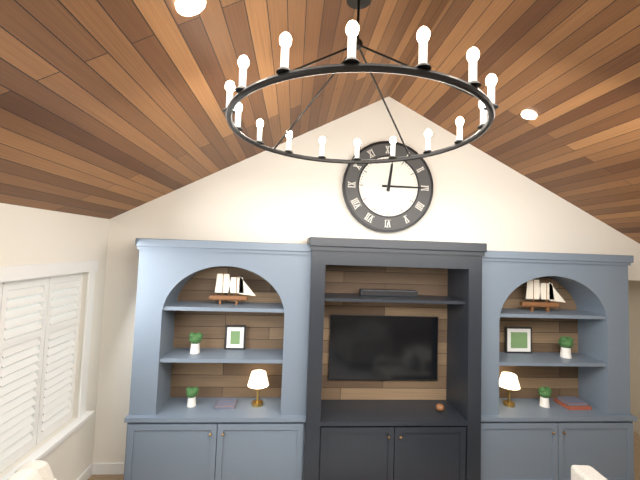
12:15
